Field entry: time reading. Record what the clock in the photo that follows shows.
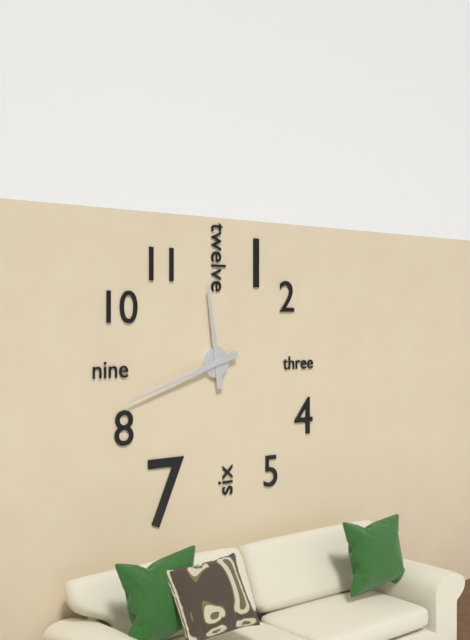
11:42
